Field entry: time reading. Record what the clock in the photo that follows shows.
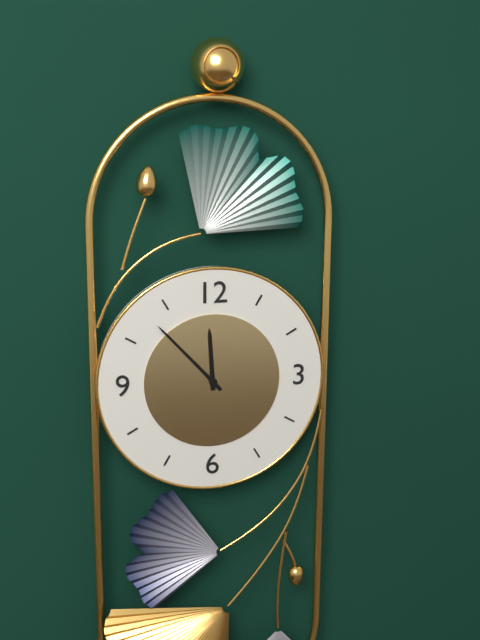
11:53
